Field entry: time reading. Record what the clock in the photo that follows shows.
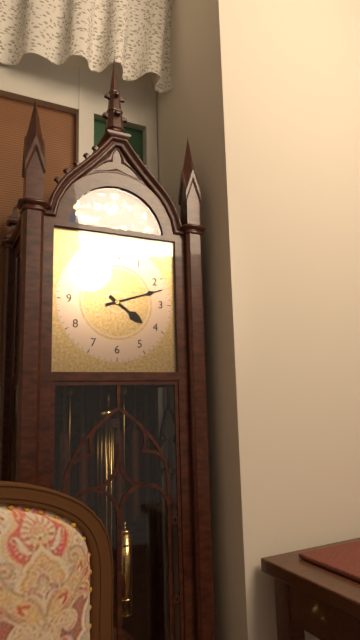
4:12
